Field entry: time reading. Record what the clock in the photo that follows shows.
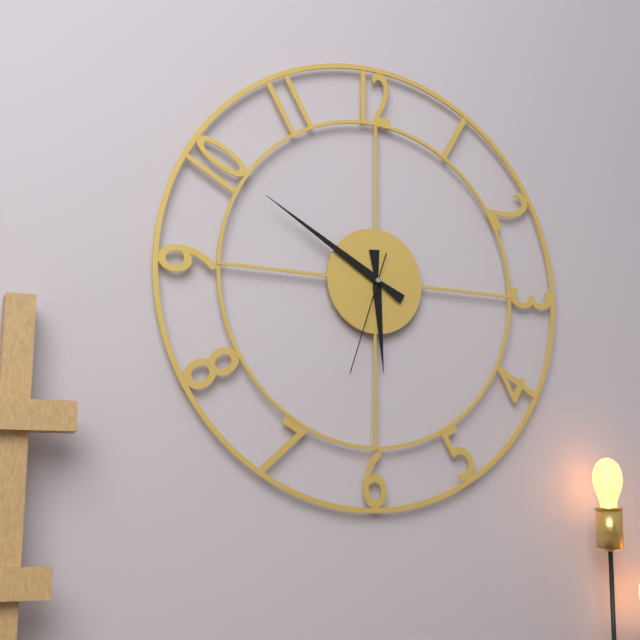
5:50:33
